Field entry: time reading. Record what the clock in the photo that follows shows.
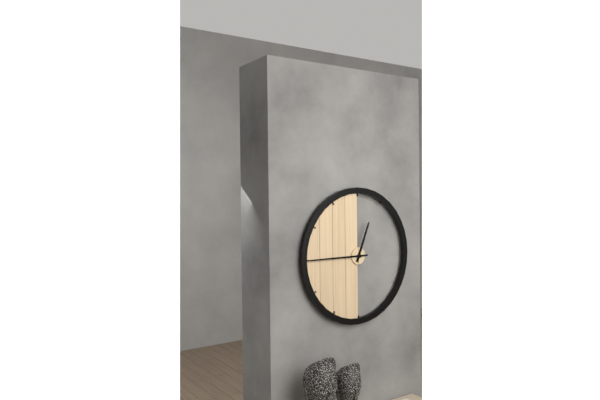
12:45
